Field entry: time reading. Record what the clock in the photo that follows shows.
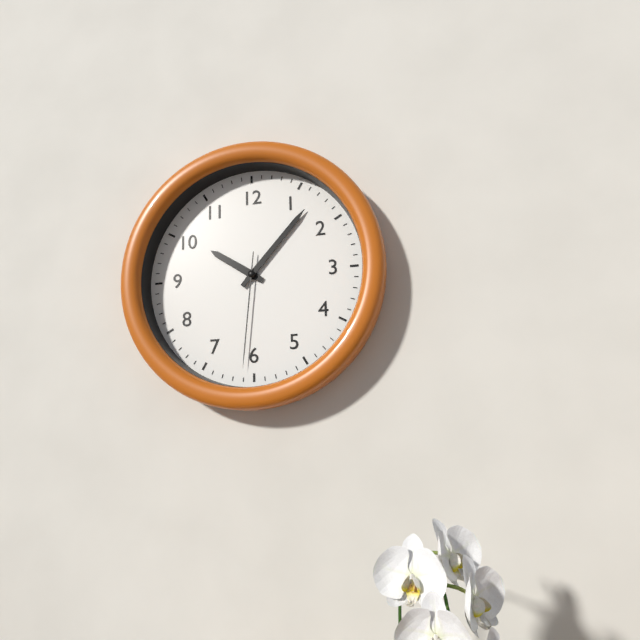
10:07:31
